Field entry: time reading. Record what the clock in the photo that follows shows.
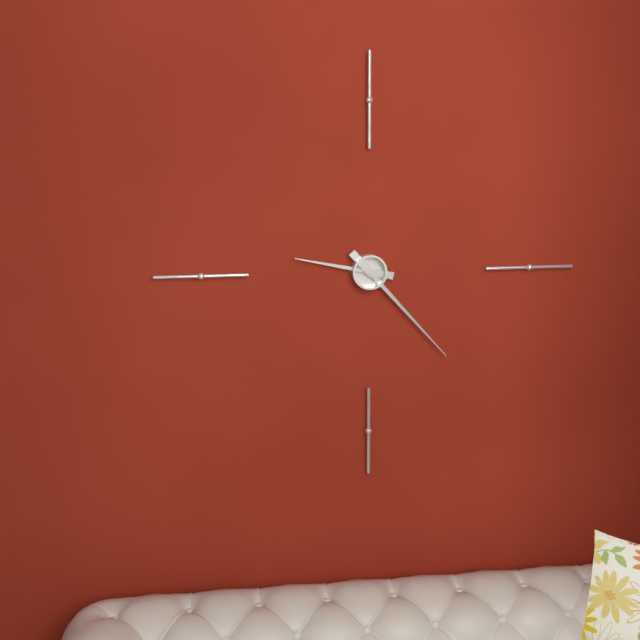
9:23
